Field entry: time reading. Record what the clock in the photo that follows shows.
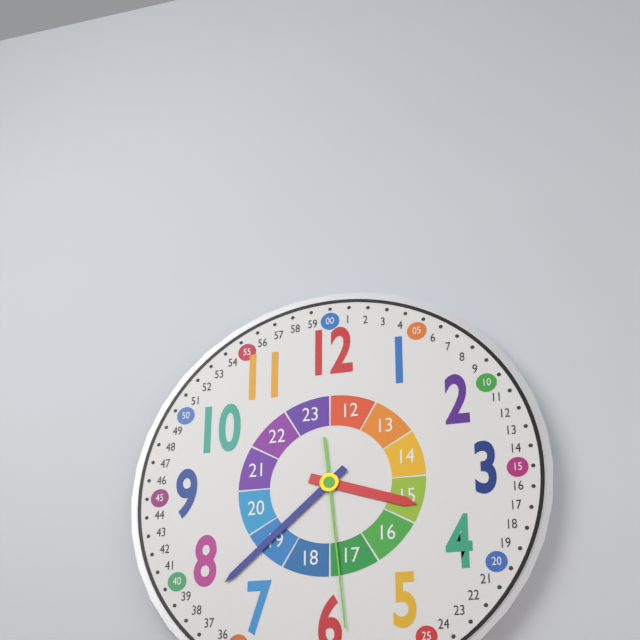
3:38:29
